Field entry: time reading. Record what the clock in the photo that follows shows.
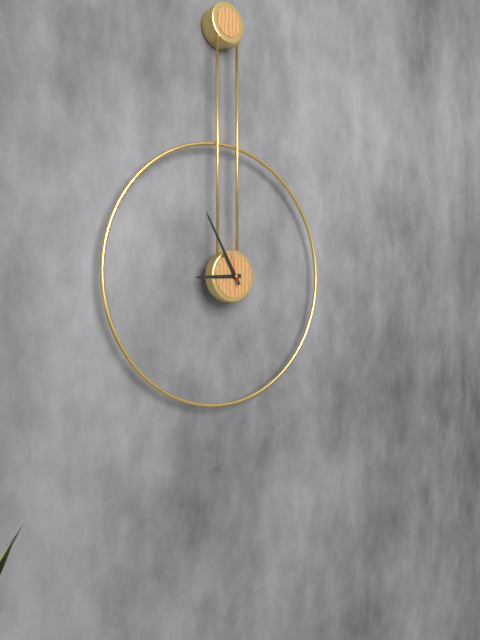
8:55
